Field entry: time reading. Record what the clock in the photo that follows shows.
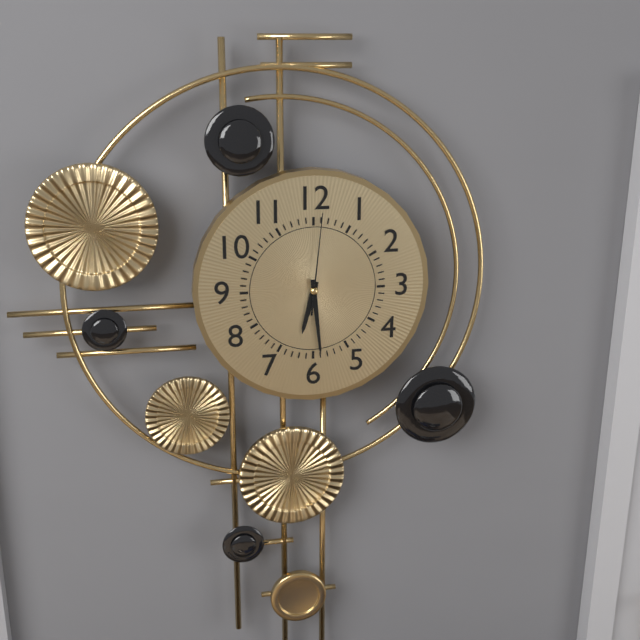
6:29:01
